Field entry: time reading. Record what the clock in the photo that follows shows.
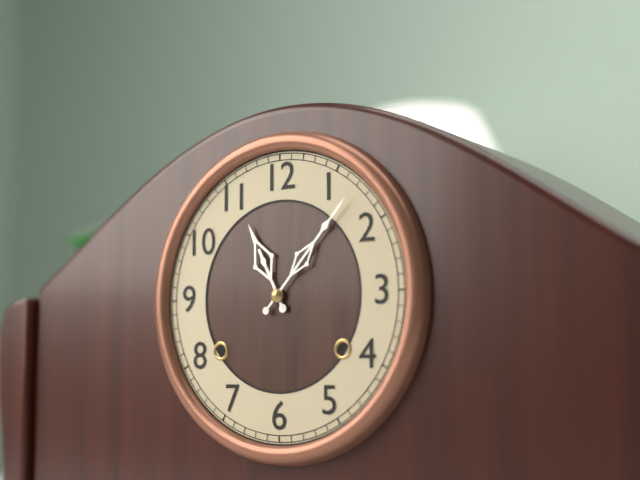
11:07
